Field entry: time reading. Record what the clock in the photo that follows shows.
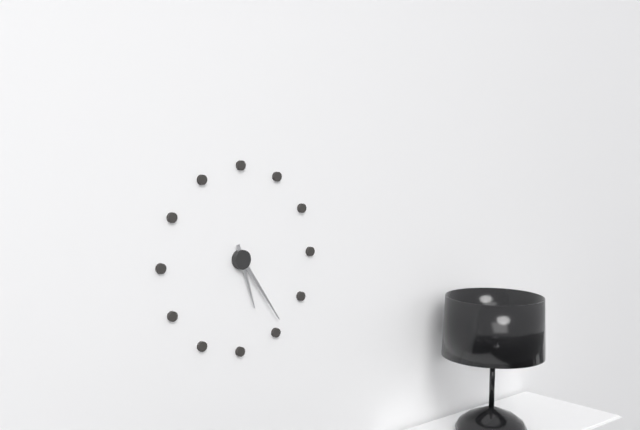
5:24
